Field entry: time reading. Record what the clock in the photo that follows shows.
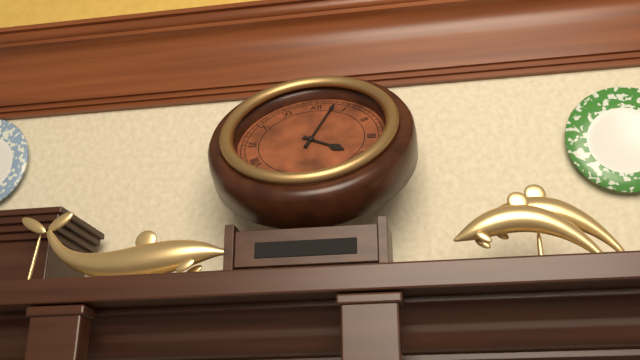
4:03
